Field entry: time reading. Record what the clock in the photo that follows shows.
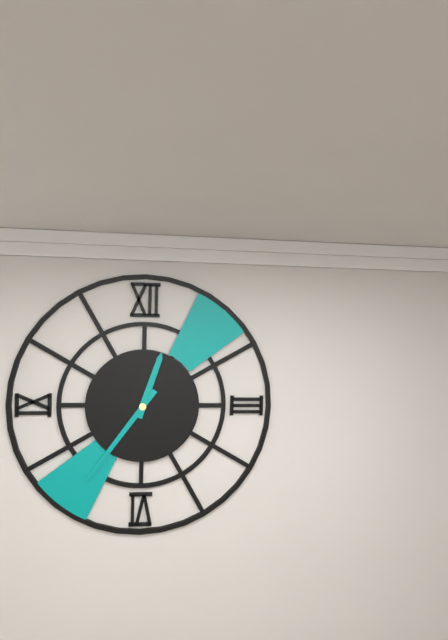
12:36
